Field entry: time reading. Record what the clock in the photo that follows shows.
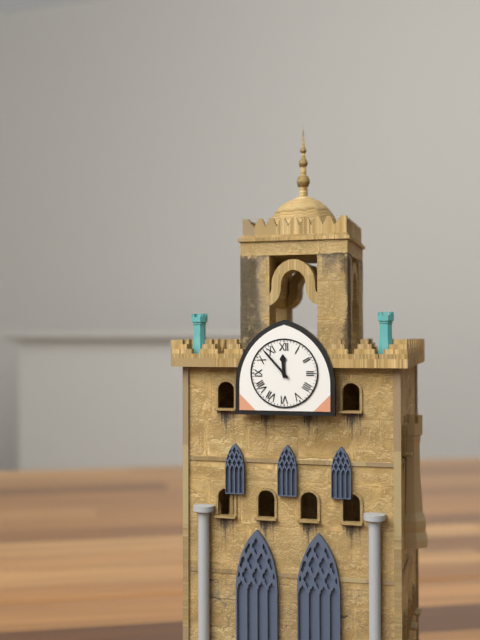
11:53
